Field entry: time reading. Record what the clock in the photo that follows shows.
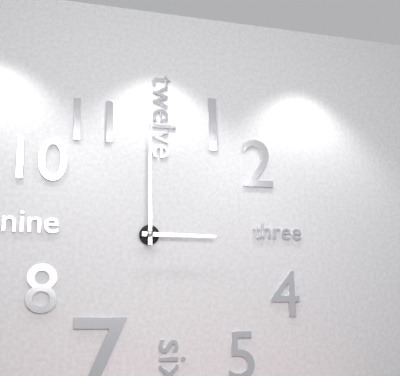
3:00
